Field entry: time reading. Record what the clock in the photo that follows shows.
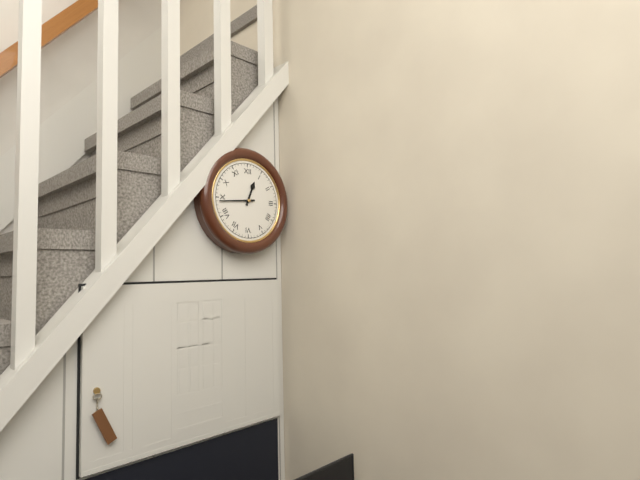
12:44
